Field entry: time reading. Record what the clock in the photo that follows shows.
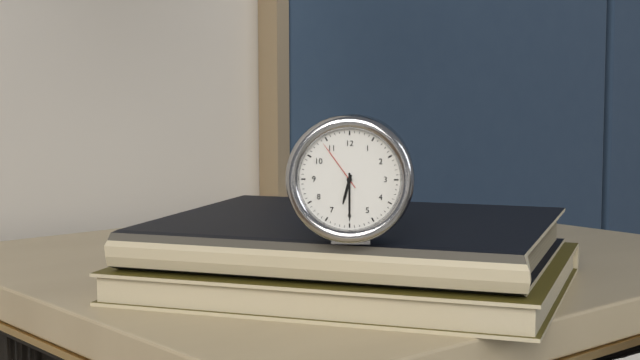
6:30:54
